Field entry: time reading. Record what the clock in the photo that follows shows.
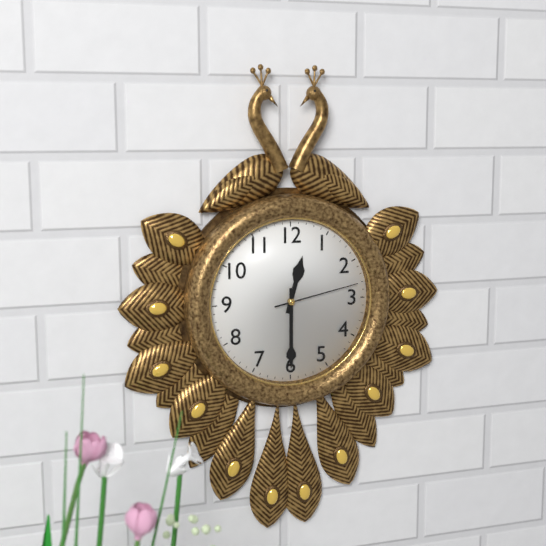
12:30:13
